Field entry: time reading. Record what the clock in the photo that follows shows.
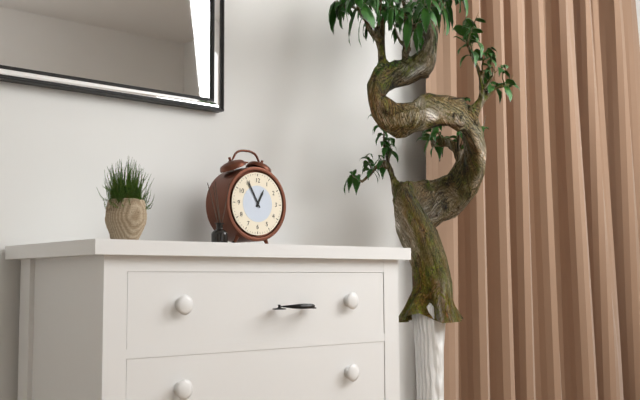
12:55
